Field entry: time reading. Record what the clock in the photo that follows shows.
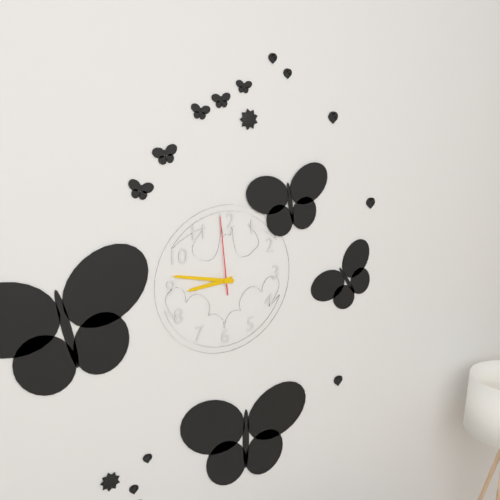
8:47:59
